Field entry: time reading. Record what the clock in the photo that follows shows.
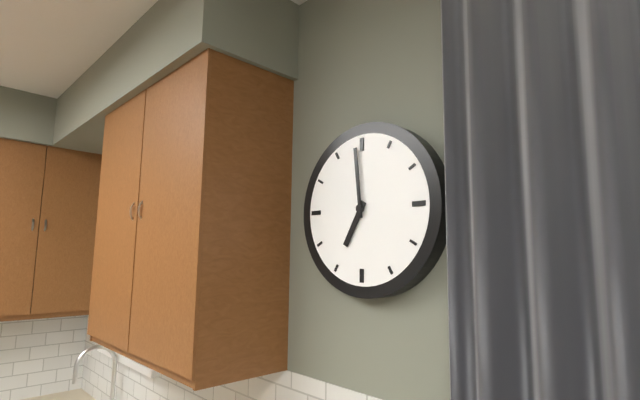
6:59
